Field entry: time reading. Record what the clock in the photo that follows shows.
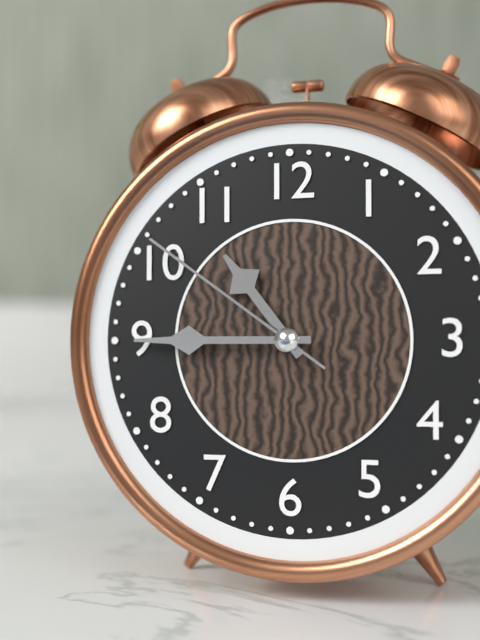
10:45:51
